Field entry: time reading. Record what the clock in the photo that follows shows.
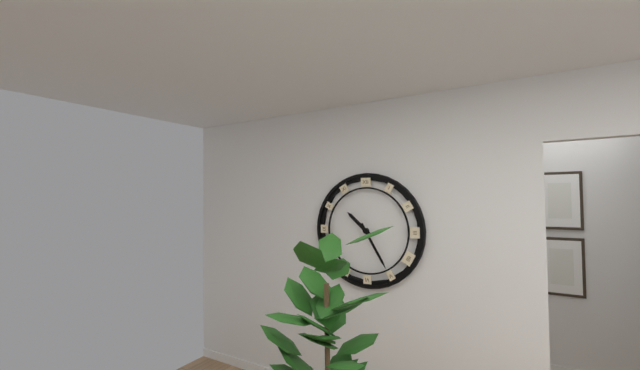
10:25
